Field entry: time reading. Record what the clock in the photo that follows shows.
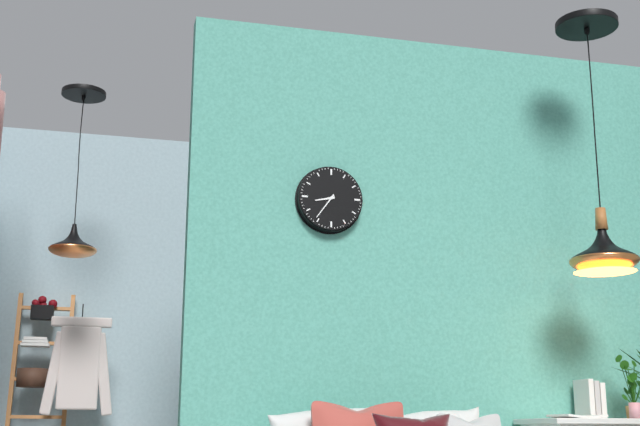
8:36
